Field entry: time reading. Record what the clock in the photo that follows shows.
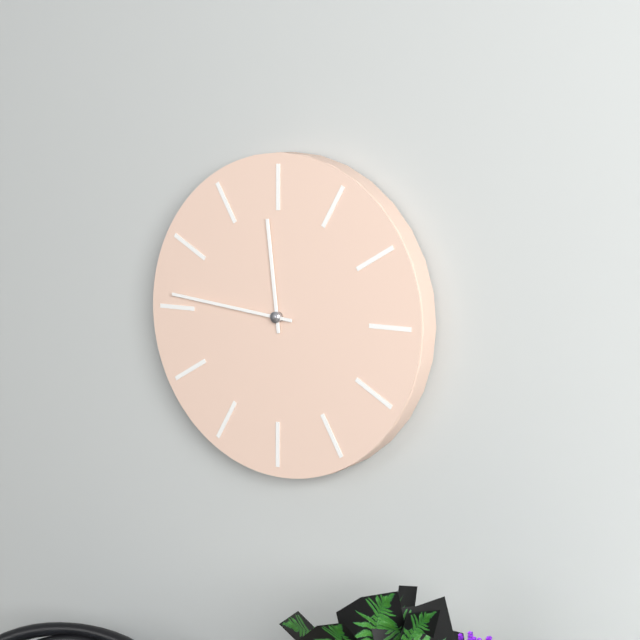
11:46
